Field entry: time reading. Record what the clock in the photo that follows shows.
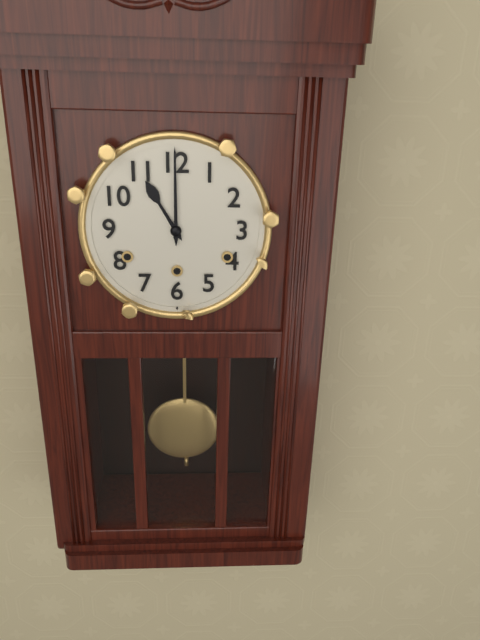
11:00
